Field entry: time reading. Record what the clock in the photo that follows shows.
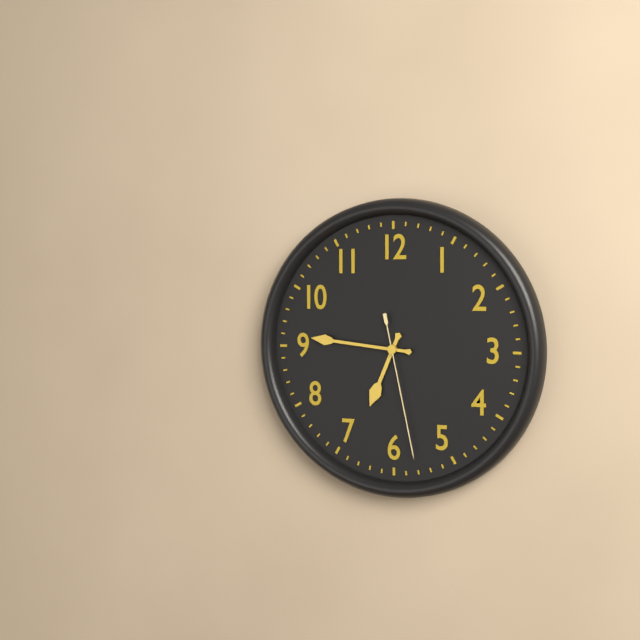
6:46:28
